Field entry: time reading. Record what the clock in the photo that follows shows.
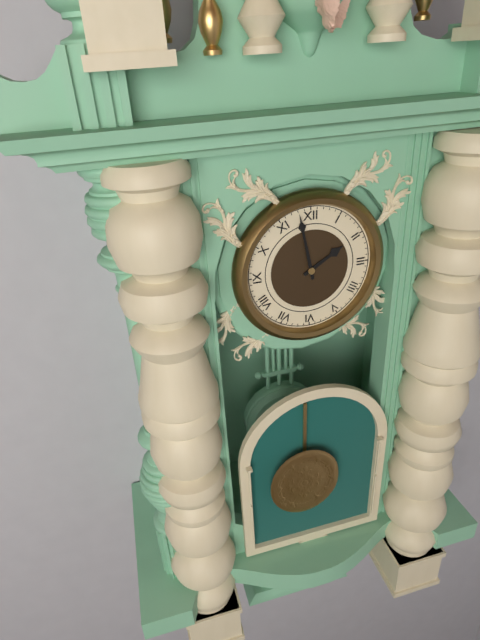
1:58
